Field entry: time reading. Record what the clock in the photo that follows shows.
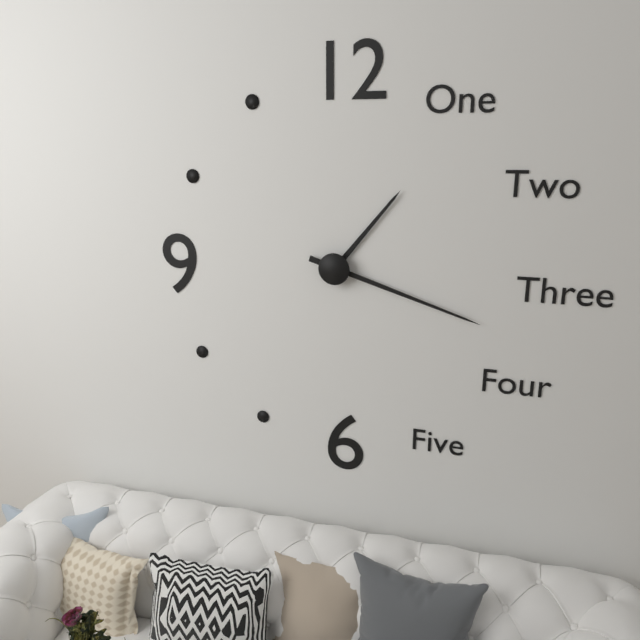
1:18
